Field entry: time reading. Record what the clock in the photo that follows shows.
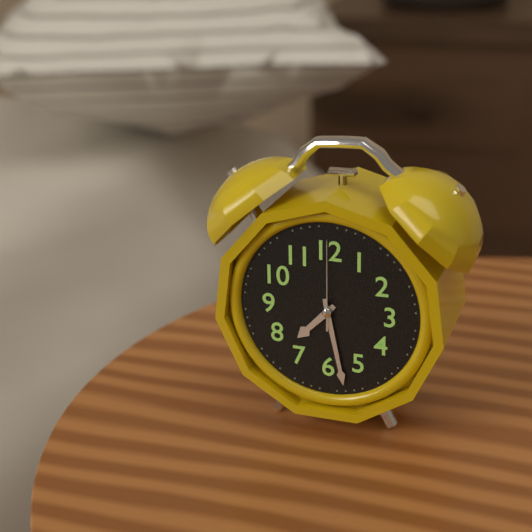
7:28:00
